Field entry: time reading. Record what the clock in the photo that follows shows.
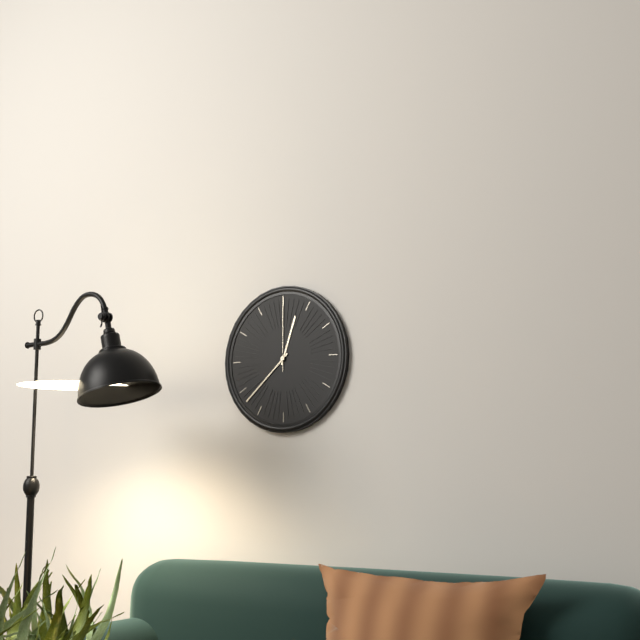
12:38:00
